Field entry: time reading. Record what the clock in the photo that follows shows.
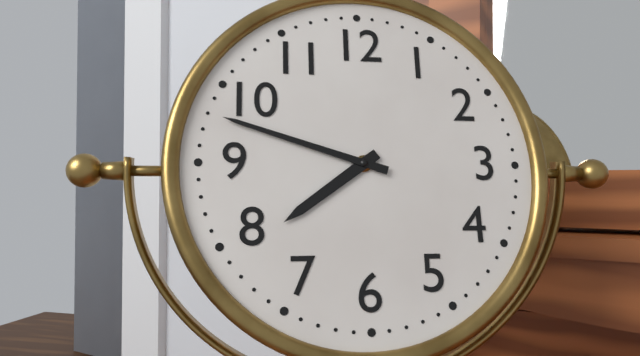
7:48
